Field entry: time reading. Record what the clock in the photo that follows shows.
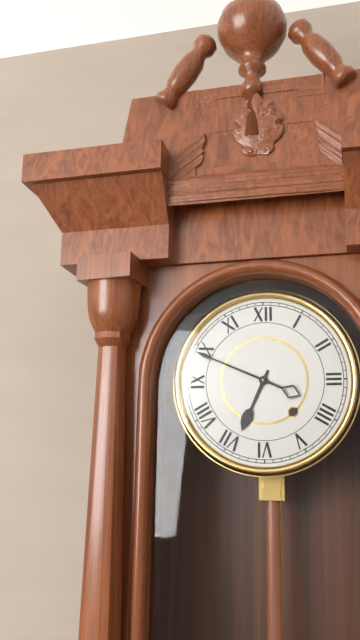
6:49
